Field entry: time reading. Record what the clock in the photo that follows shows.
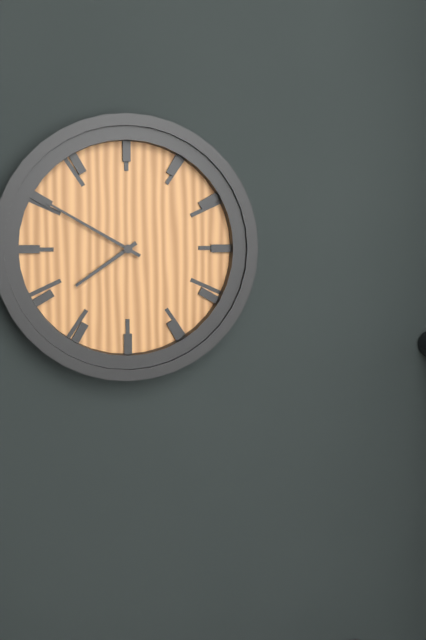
7:50
